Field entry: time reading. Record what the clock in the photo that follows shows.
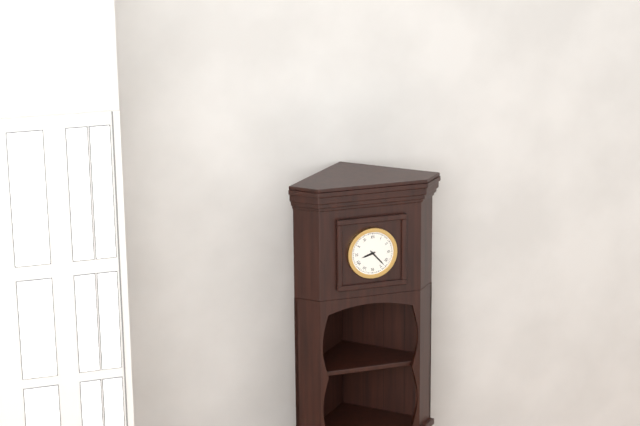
8:23
